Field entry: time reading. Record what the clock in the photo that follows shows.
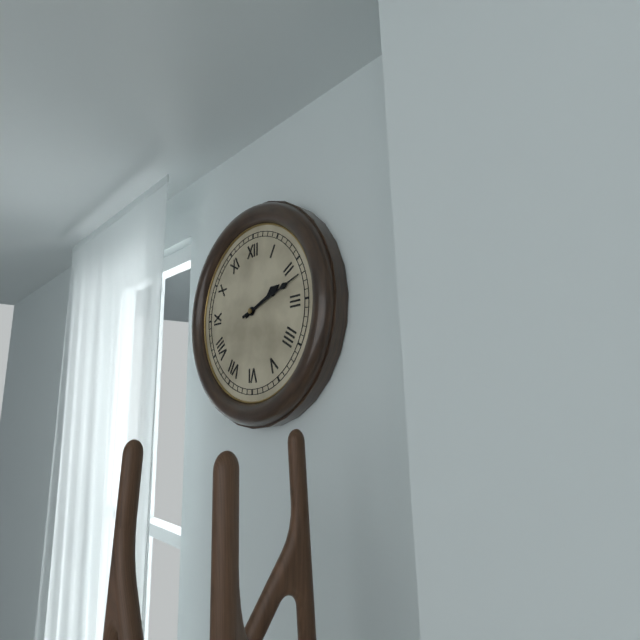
2:12
